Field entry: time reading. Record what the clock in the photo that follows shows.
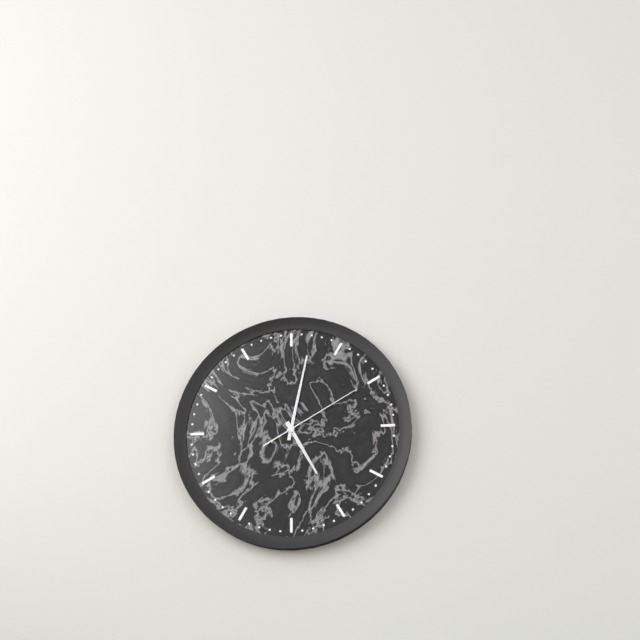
5:02:10
